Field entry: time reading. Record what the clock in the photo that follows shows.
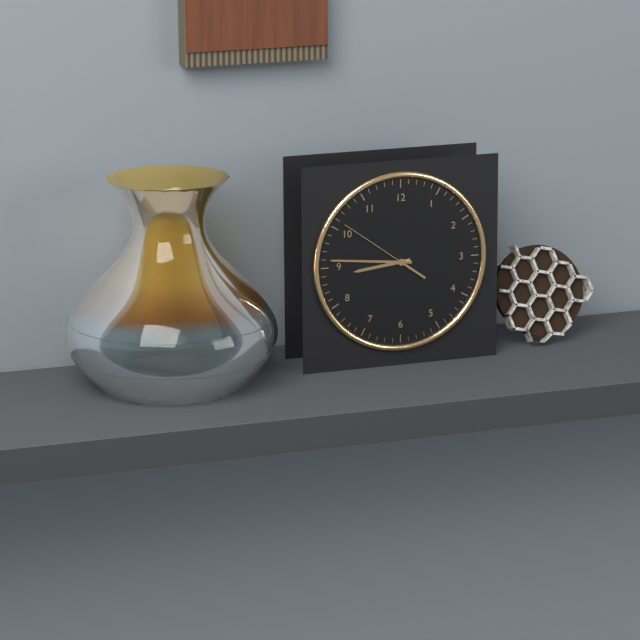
8:46:51
